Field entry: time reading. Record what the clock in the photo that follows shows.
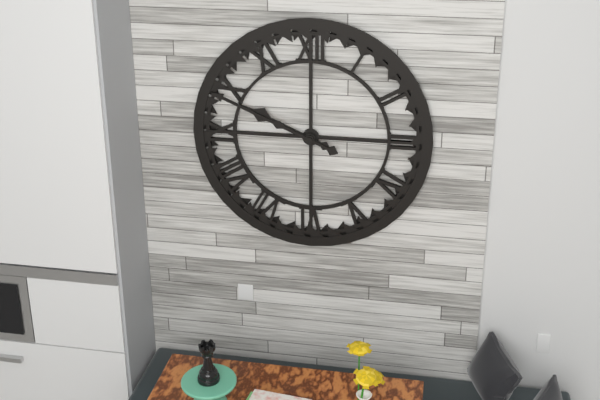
9:49
